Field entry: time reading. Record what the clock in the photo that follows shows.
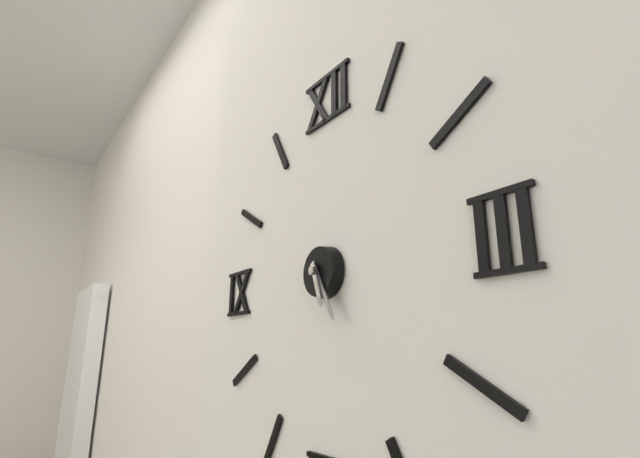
5:25
